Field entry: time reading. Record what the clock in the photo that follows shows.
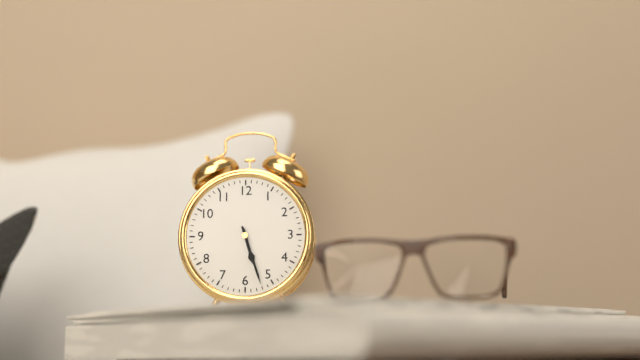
5:27
